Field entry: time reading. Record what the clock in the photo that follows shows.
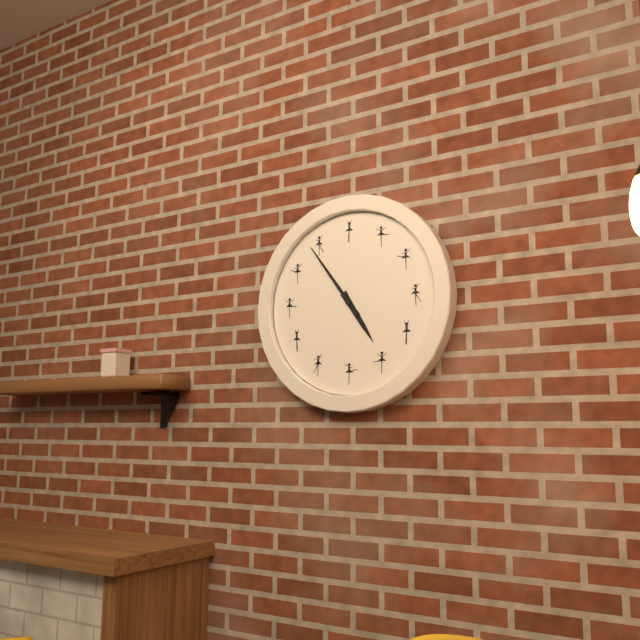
4:54
